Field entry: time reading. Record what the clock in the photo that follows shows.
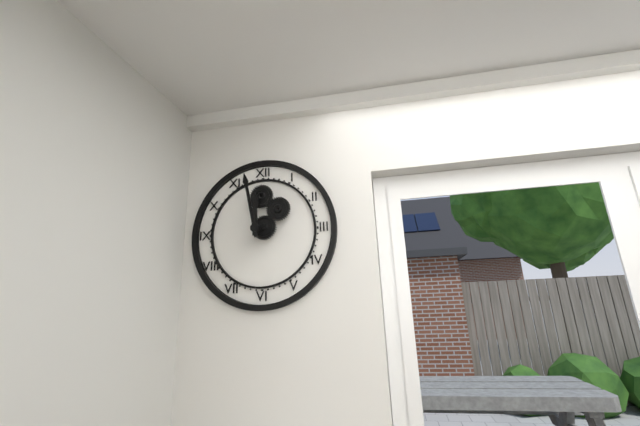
11:58
